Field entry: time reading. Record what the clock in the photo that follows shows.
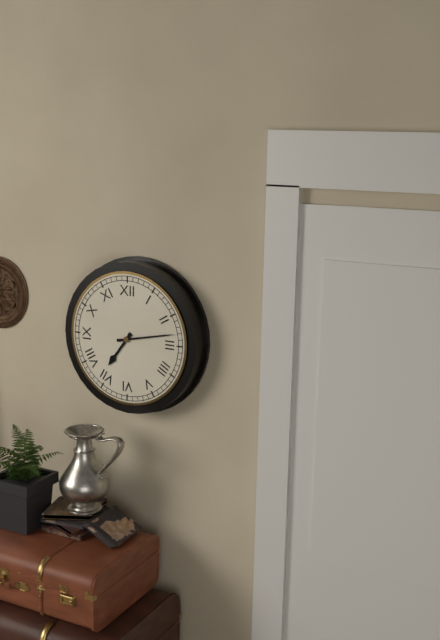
7:13
